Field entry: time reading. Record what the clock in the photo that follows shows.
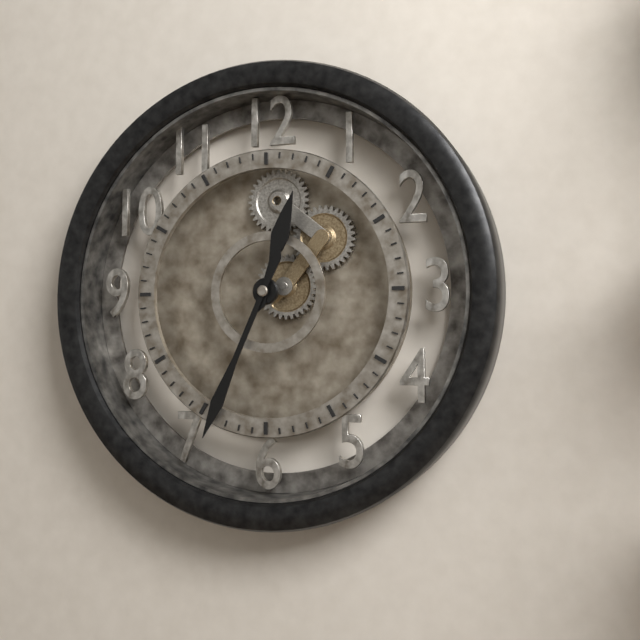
12:34
